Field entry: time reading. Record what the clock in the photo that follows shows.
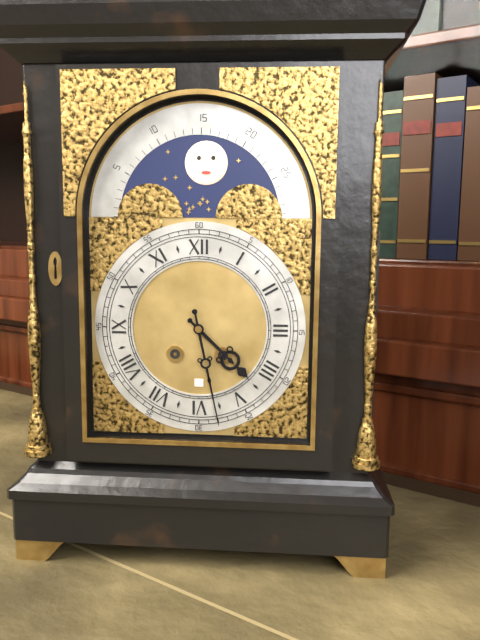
4:28
